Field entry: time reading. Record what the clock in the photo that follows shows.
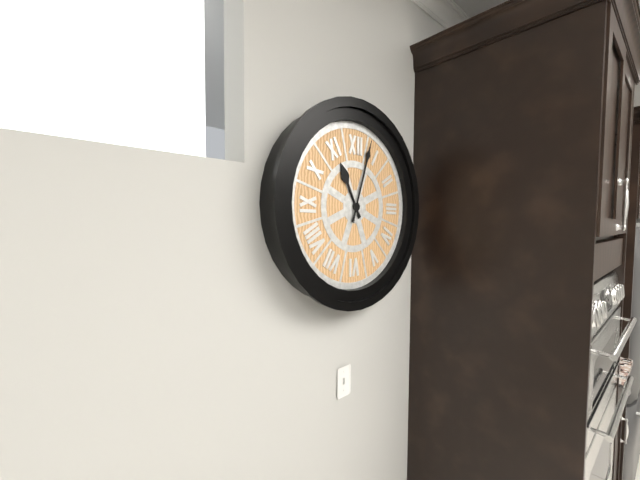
11:03
